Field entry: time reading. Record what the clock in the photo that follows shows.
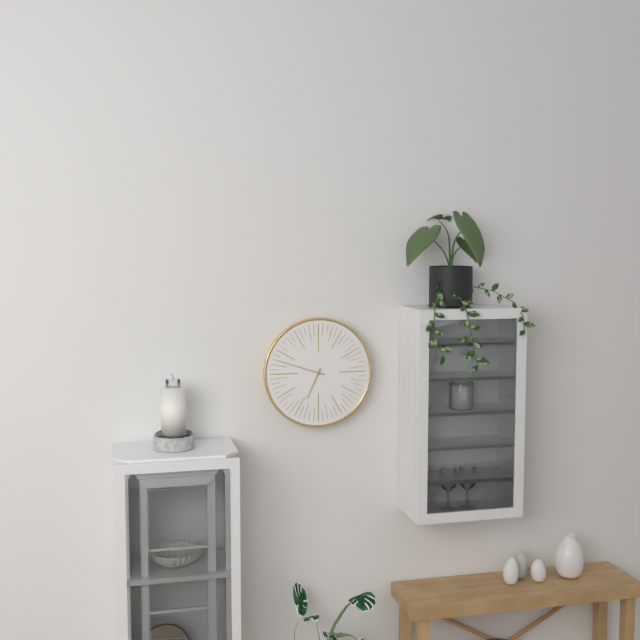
6:48
